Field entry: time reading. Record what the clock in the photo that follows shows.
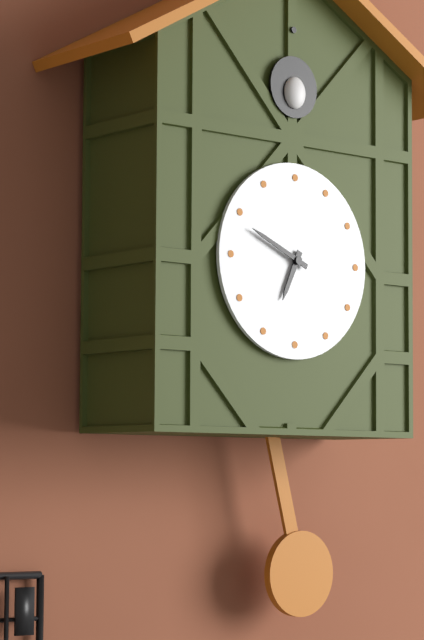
6:49
